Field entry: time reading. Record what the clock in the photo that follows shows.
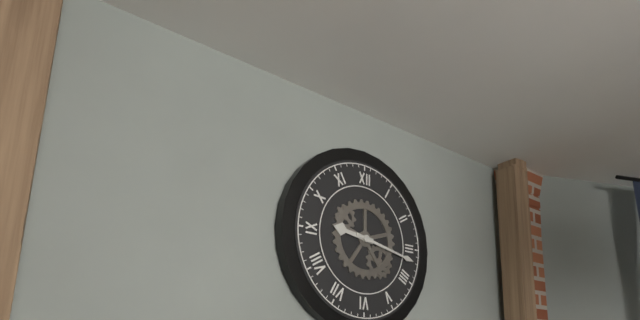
9:17
